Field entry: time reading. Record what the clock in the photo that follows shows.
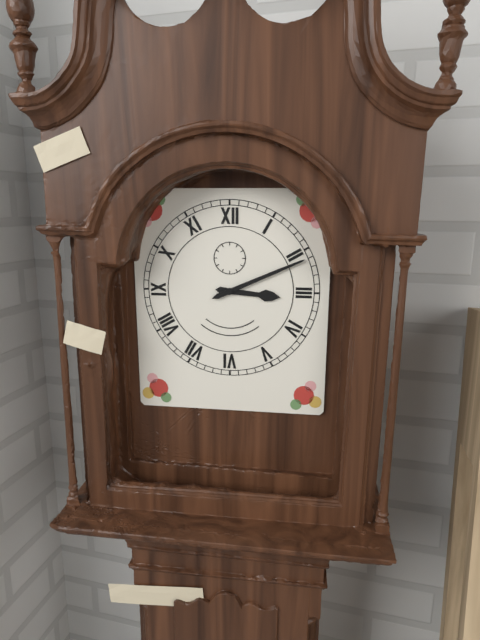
3:11
